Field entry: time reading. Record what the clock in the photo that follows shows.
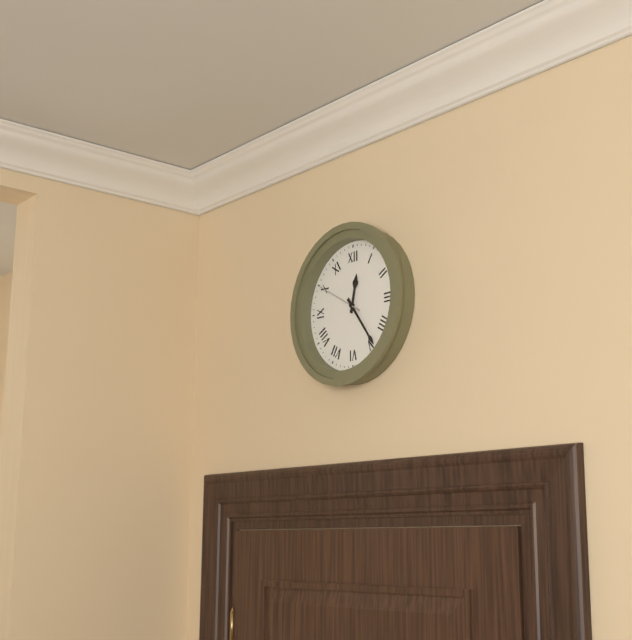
12:24
